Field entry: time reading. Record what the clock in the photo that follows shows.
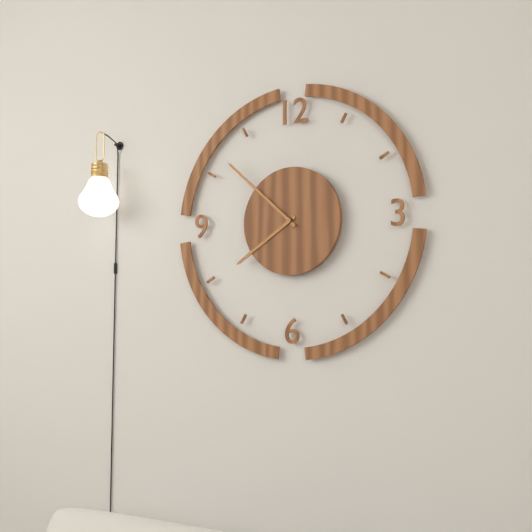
7:52
